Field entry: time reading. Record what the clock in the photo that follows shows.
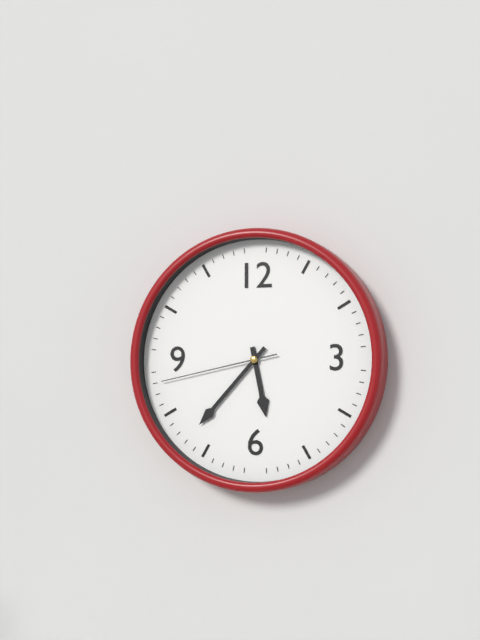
5:37:43
